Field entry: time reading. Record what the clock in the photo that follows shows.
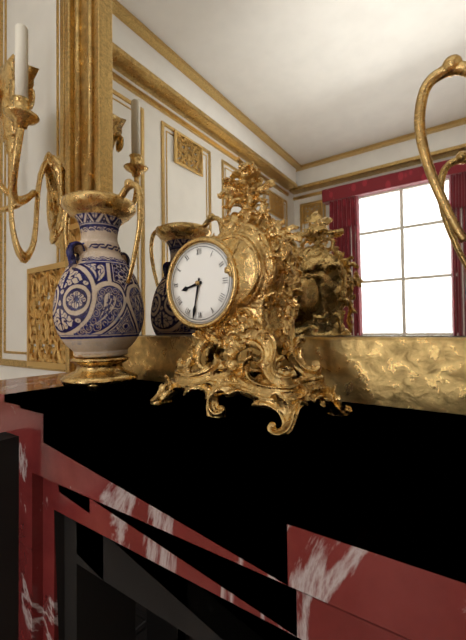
8:32
